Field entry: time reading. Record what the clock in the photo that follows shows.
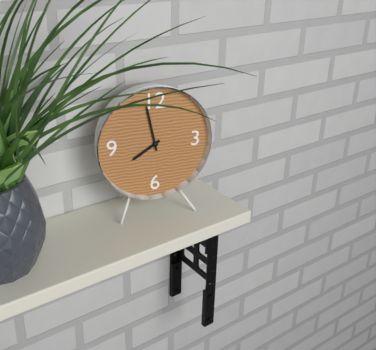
7:58
